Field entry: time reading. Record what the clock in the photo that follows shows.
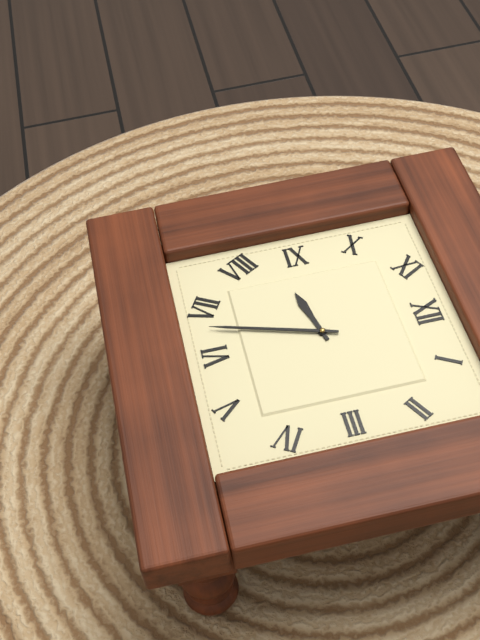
8:33
